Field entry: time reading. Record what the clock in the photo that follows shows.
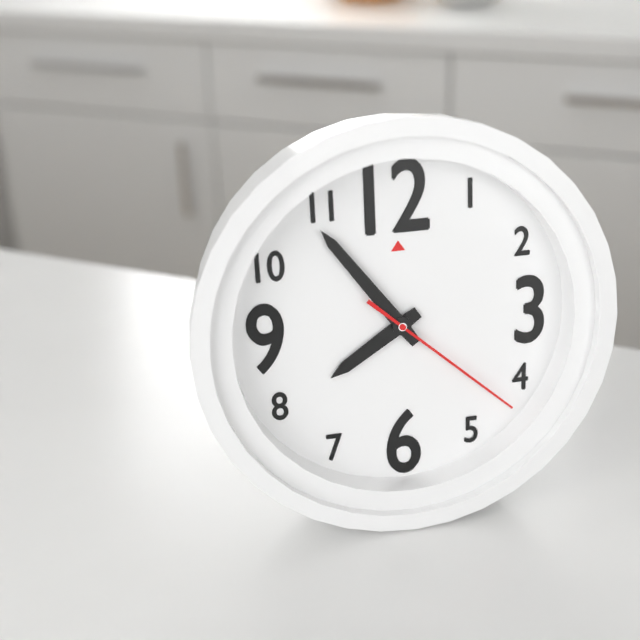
7:54:22
